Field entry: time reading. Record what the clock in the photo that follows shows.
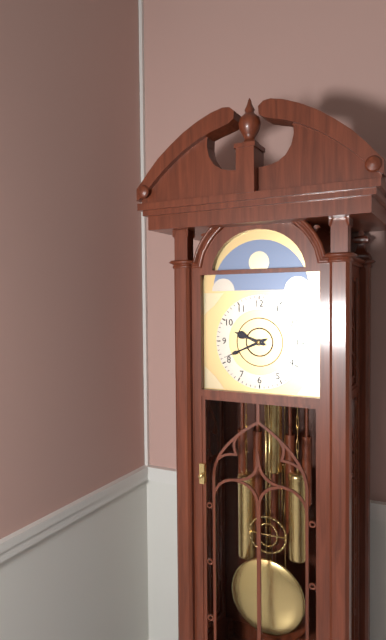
9:41
